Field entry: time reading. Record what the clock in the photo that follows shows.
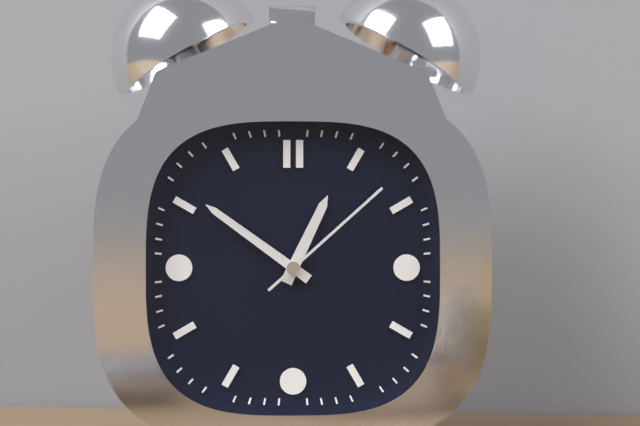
12:51:08
